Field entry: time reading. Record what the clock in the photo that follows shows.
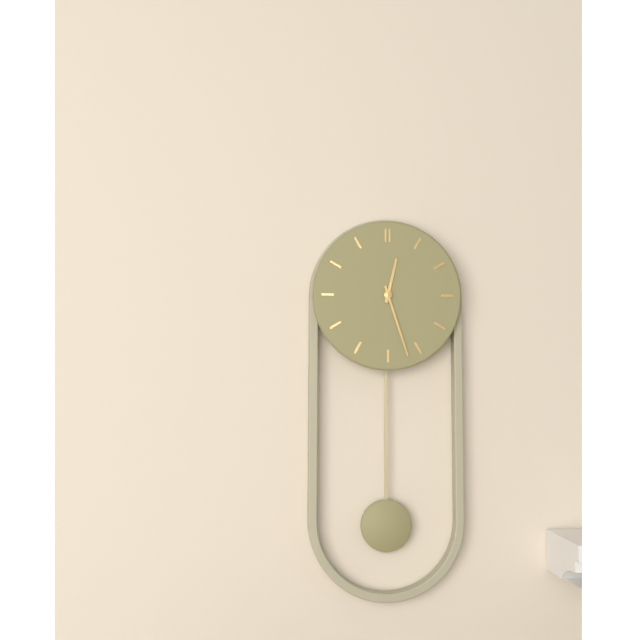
12:27
